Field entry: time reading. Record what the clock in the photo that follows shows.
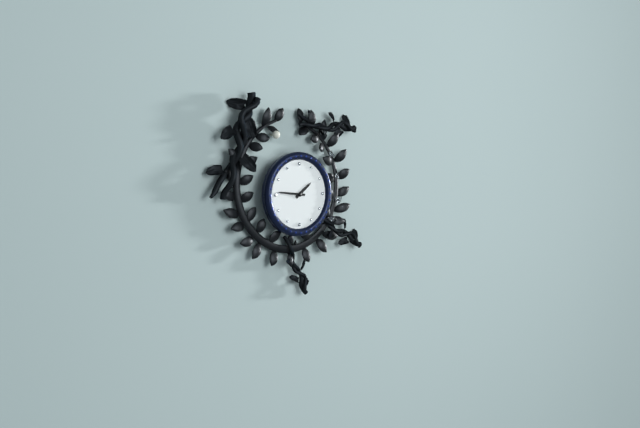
1:46
